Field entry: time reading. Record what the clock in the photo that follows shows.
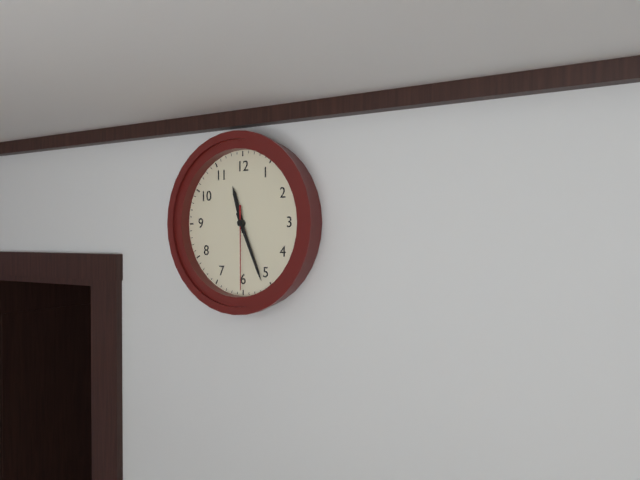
11:26:30
